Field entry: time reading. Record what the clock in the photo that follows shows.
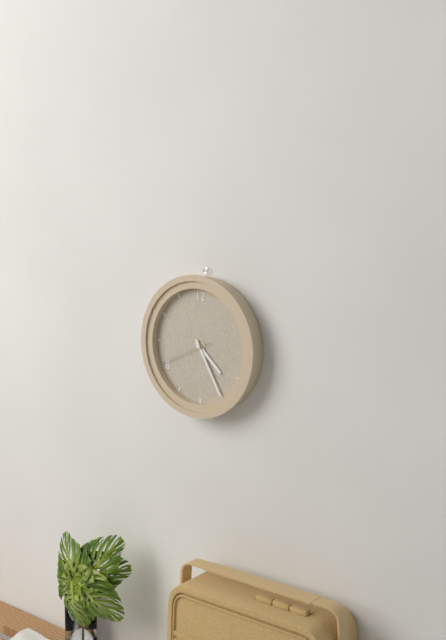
4:25:41
